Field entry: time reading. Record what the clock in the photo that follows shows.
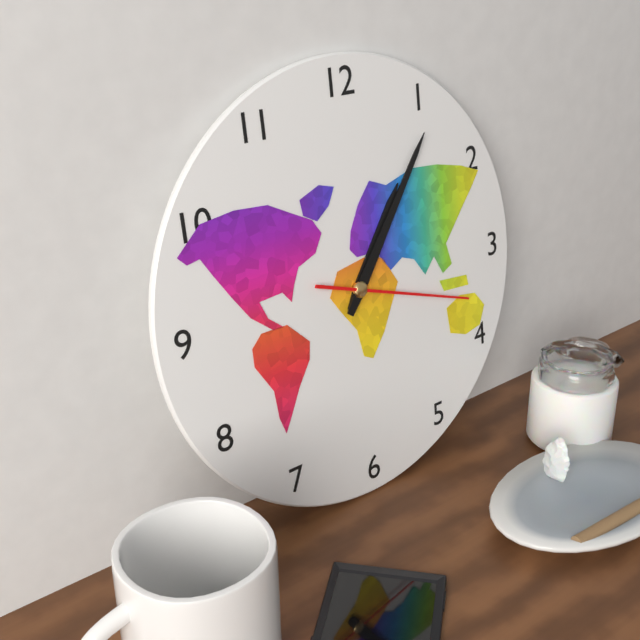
1:06:18
